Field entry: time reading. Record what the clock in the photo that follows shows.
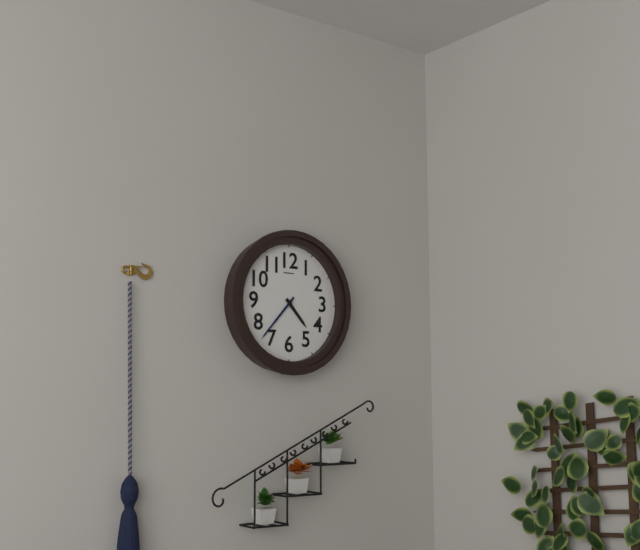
4:37
